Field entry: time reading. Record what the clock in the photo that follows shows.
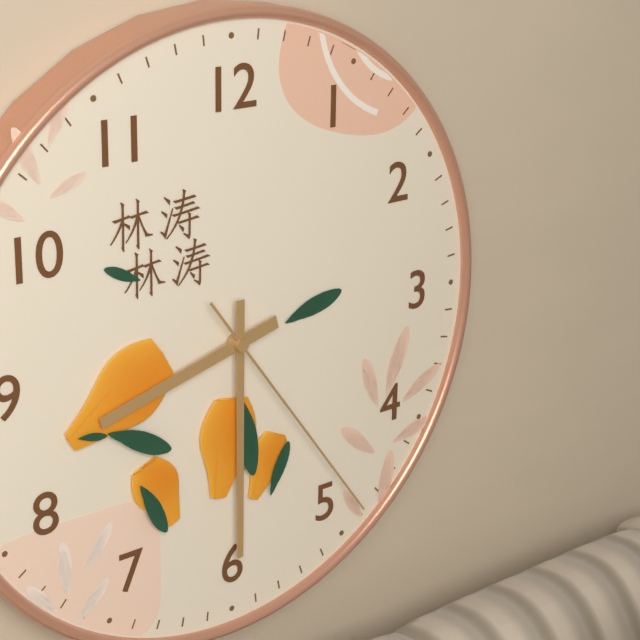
8:30:24
